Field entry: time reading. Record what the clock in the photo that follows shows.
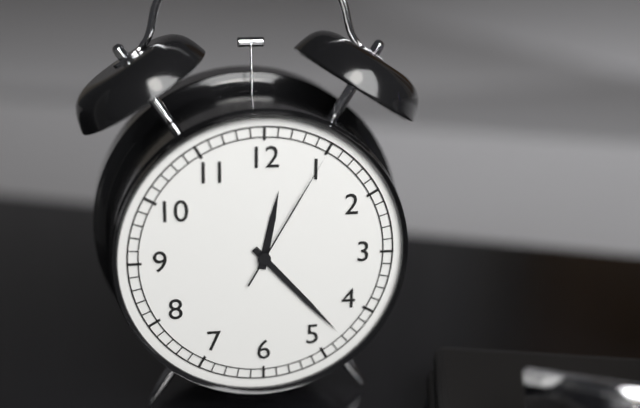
12:23:05
